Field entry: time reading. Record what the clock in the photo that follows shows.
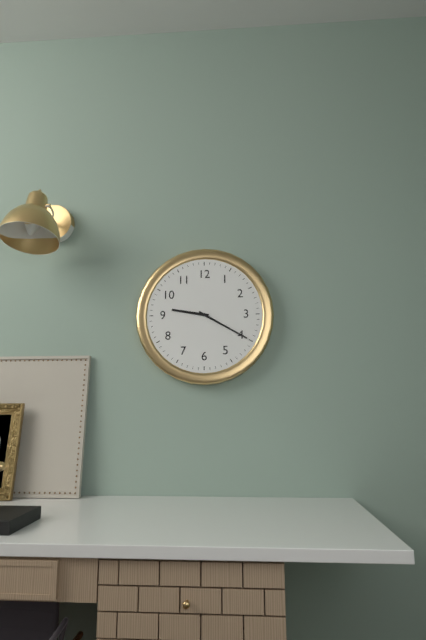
9:20
